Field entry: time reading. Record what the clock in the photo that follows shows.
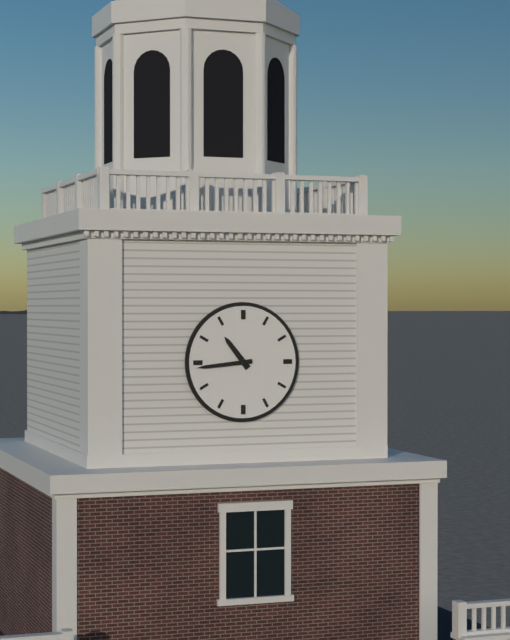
10:44
